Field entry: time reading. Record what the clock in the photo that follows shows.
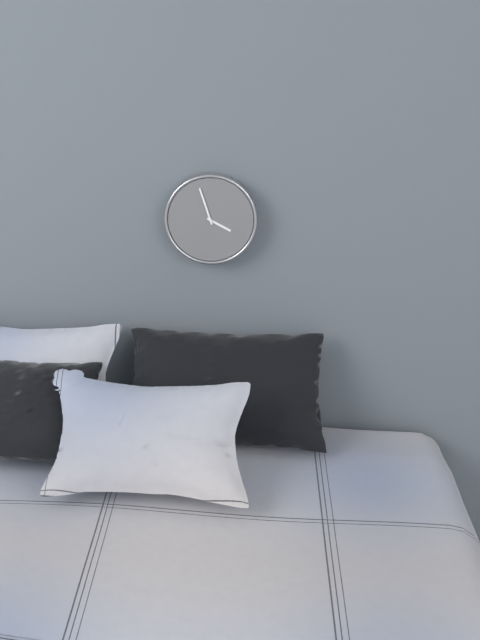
3:57
